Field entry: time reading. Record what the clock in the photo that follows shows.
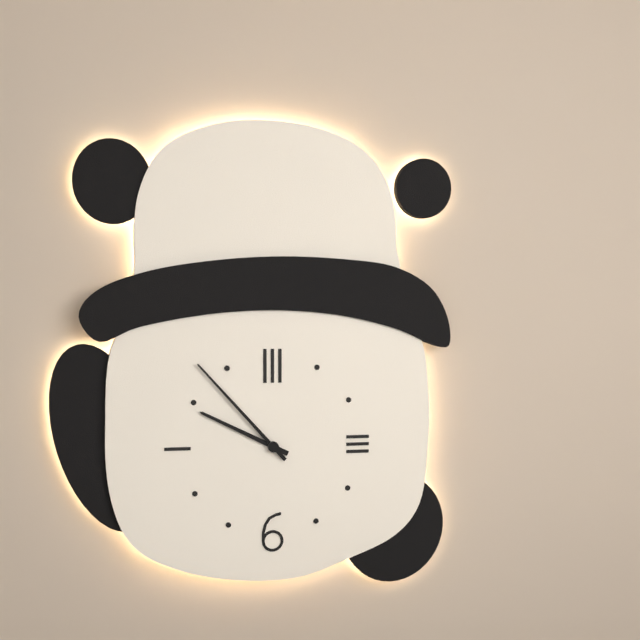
9:53
